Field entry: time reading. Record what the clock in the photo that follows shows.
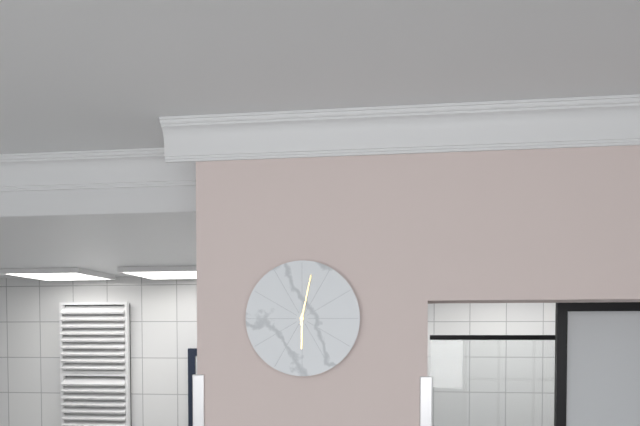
6:02
